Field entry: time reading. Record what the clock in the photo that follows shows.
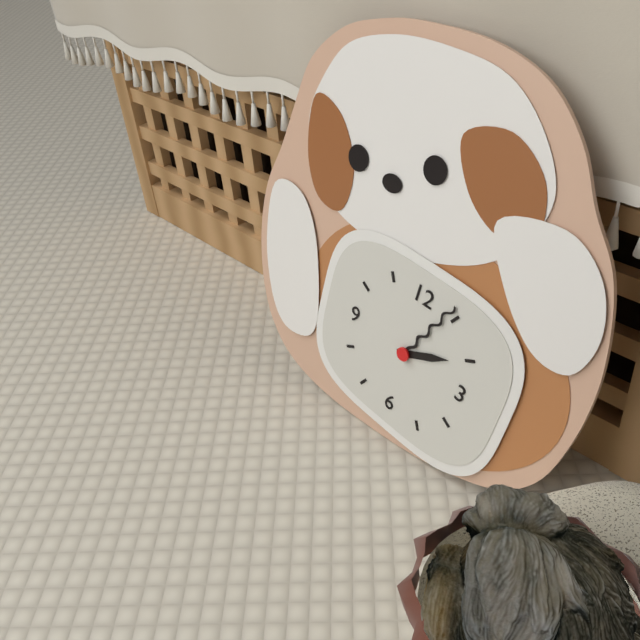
2:04
